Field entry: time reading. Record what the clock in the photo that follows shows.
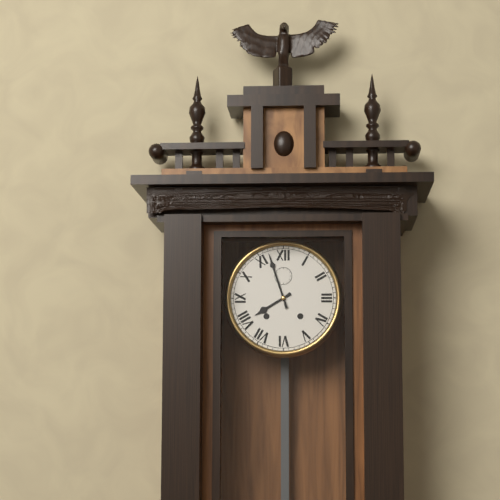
7:57
